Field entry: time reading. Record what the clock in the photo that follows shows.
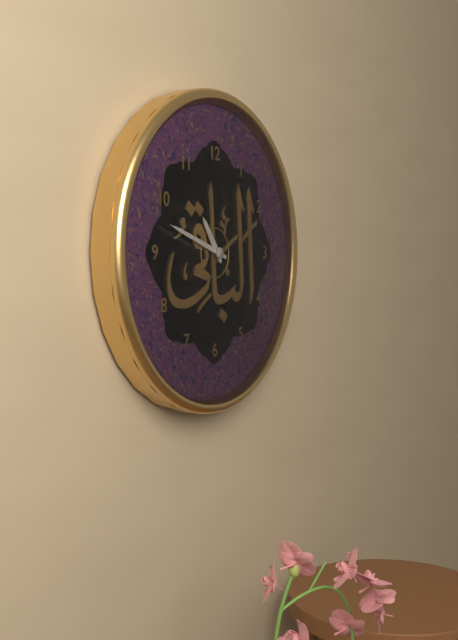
10:48
